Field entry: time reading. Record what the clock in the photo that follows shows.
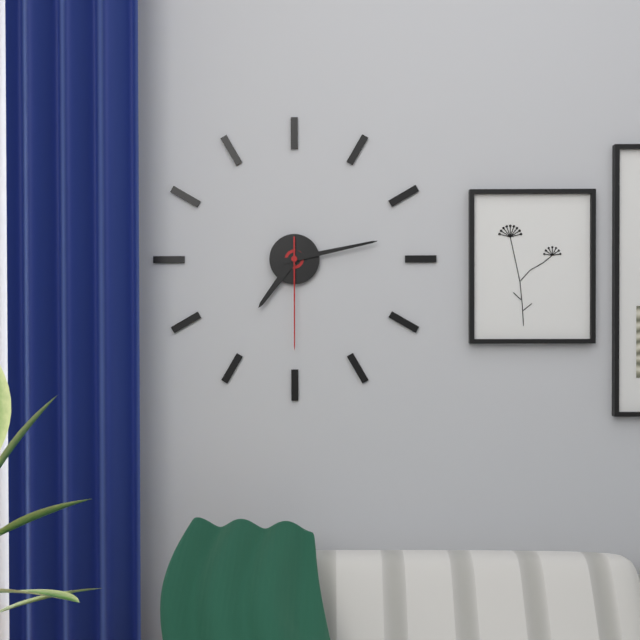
7:13:30
